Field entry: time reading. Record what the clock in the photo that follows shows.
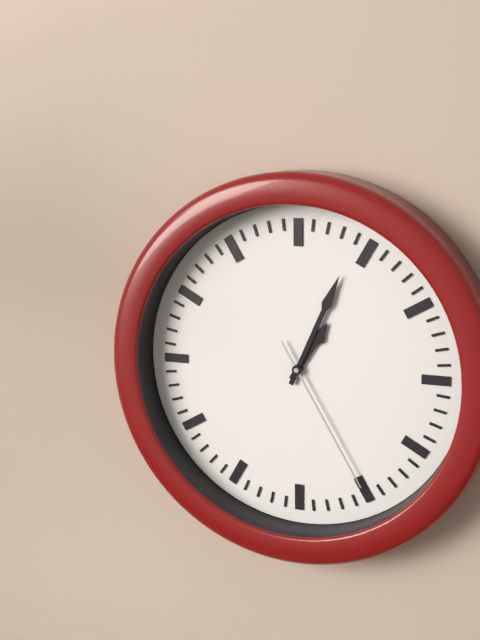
1:04:25
